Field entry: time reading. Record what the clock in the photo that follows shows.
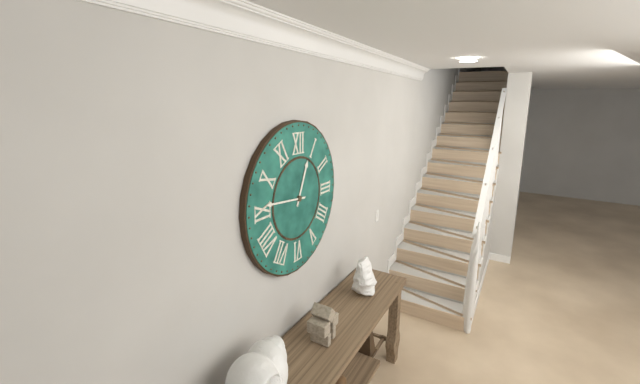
12:46
